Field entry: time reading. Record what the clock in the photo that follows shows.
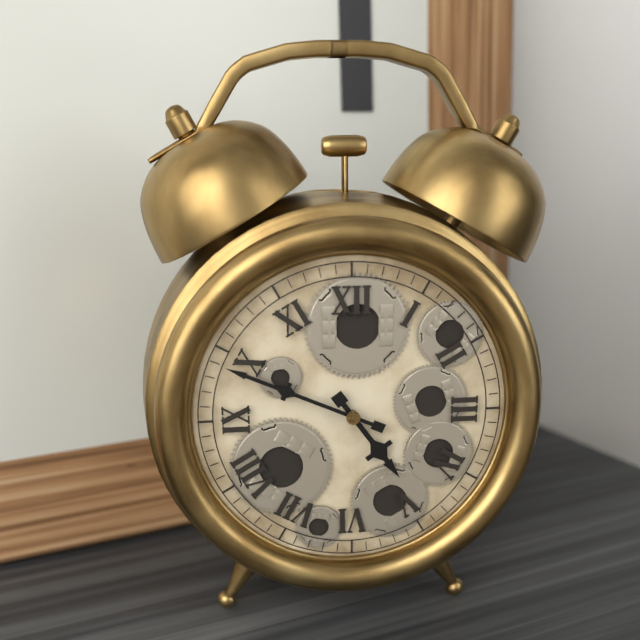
4:49
